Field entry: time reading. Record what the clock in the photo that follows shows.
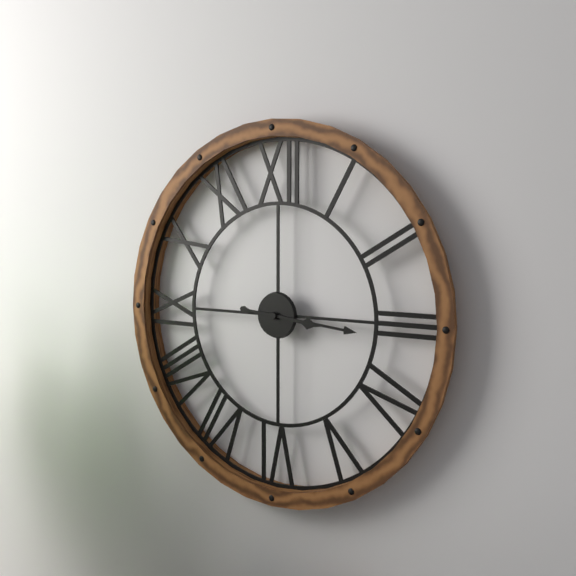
3:16
